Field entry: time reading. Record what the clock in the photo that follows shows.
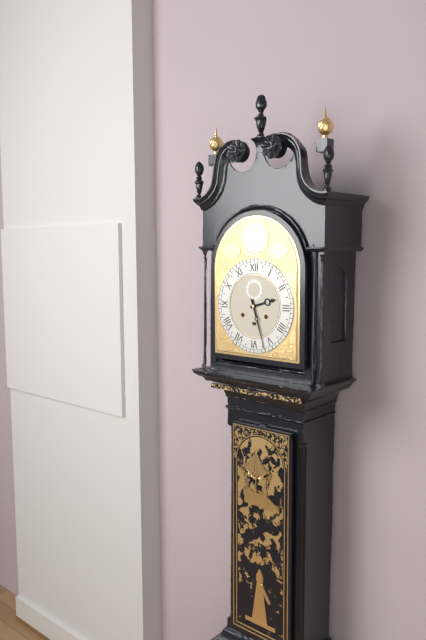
2:27
